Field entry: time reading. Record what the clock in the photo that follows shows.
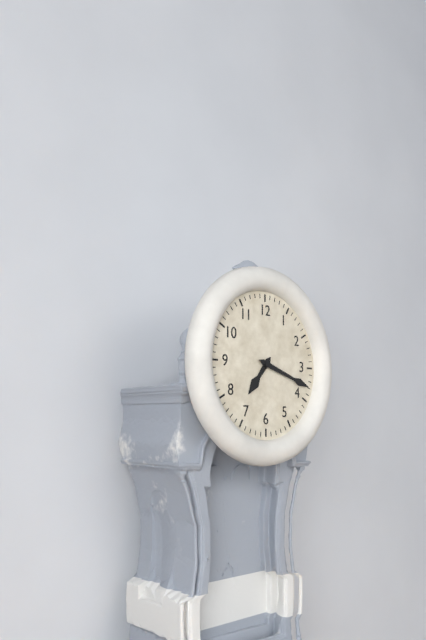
7:18
